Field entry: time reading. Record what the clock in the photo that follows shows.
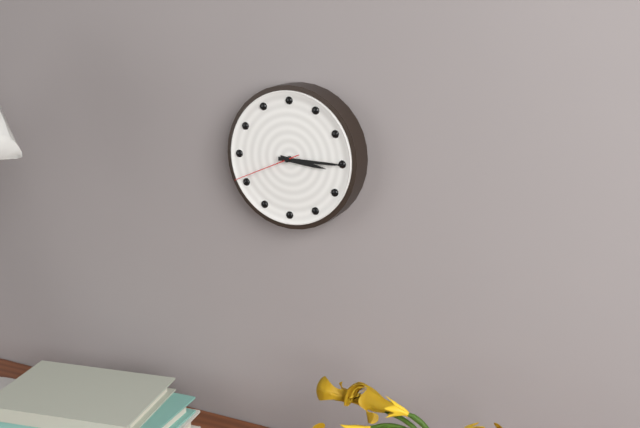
3:15:41
